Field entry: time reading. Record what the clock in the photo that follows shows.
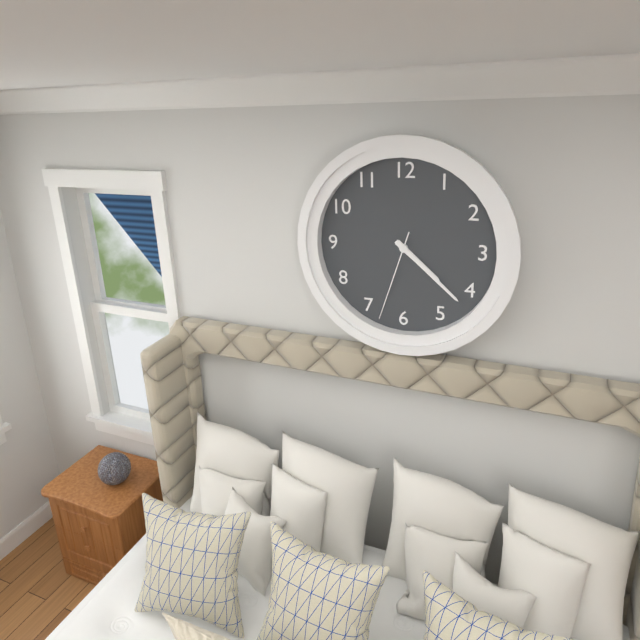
4:22:33
